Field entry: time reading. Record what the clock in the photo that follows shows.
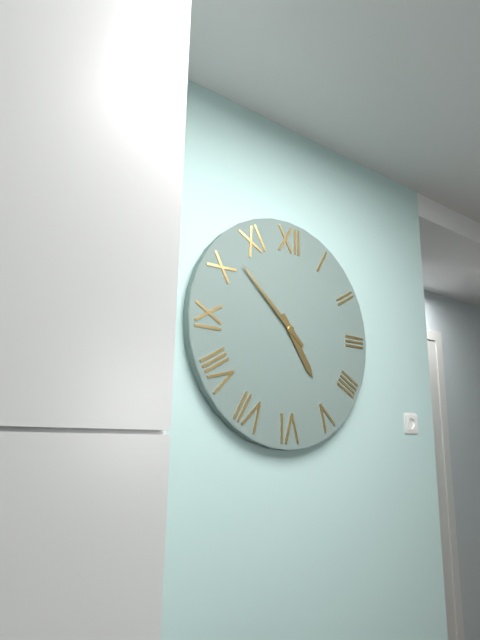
4:52
